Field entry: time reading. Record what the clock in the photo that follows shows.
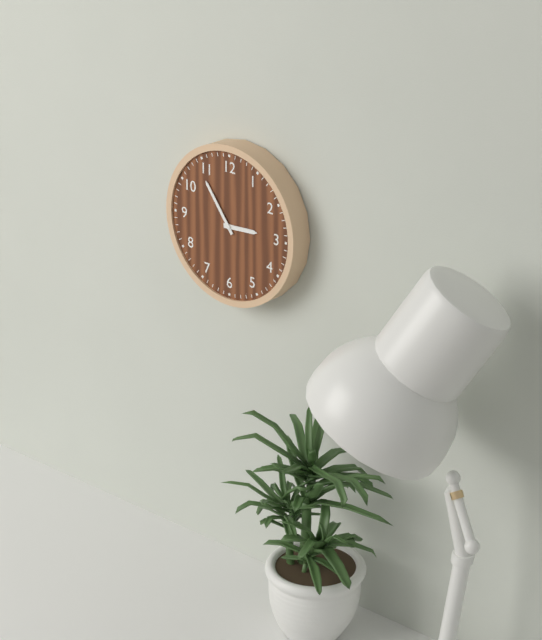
2:54
